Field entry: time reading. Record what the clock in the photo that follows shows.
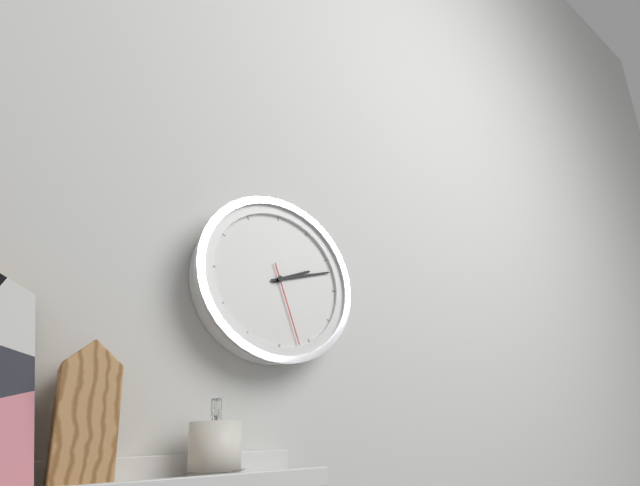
2:12:27
